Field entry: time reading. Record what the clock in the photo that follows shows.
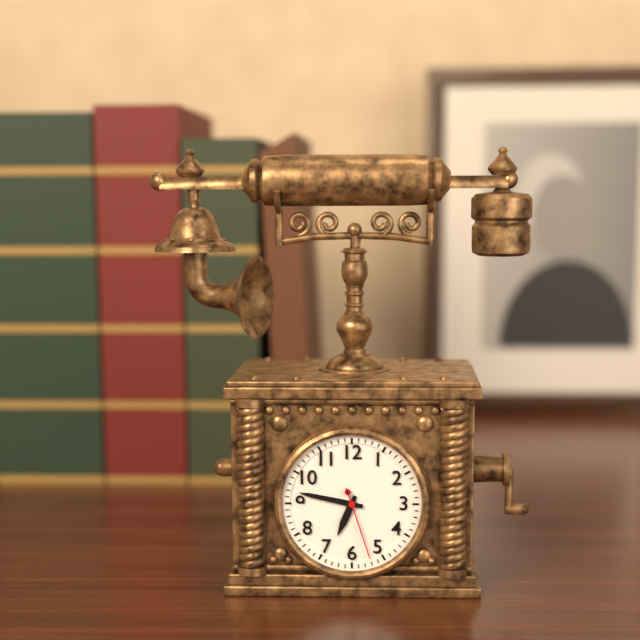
6:47:27
